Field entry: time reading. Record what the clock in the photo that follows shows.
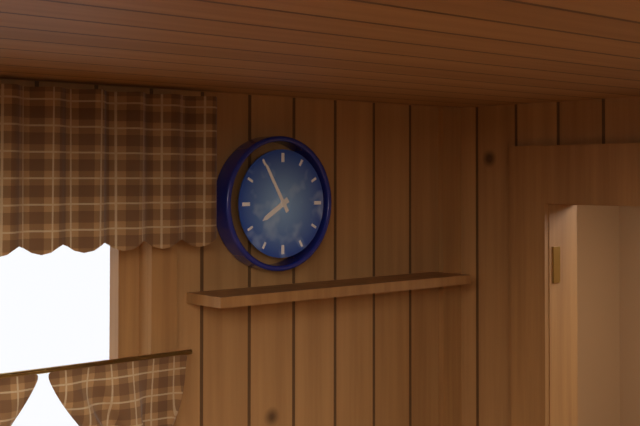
7:55
